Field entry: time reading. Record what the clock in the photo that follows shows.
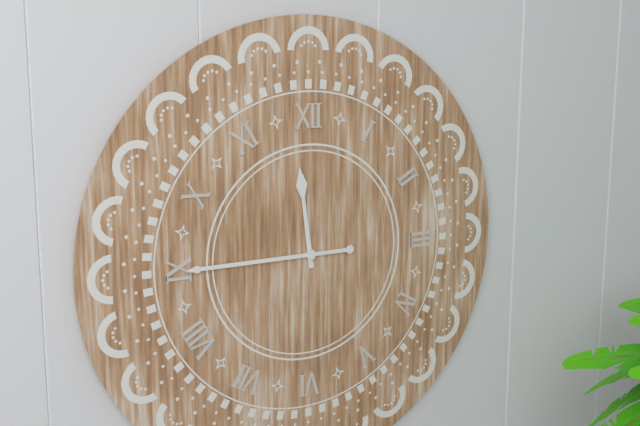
11:45
